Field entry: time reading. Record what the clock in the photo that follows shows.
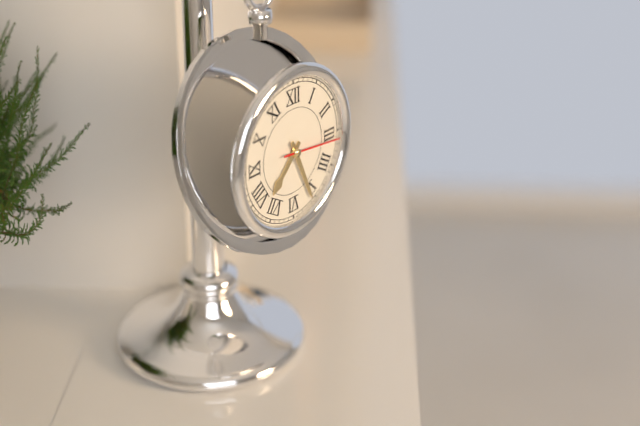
7:26:16
